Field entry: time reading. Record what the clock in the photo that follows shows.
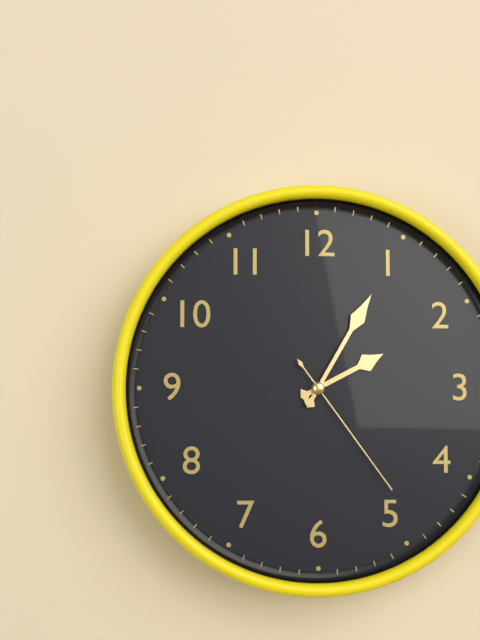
2:05:24
